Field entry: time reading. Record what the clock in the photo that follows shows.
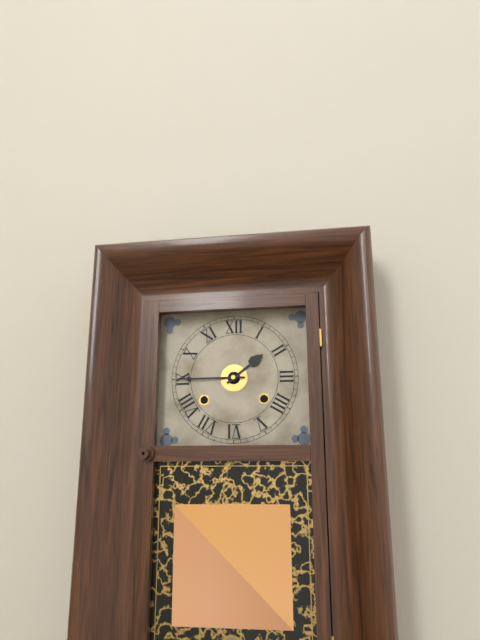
1:45
